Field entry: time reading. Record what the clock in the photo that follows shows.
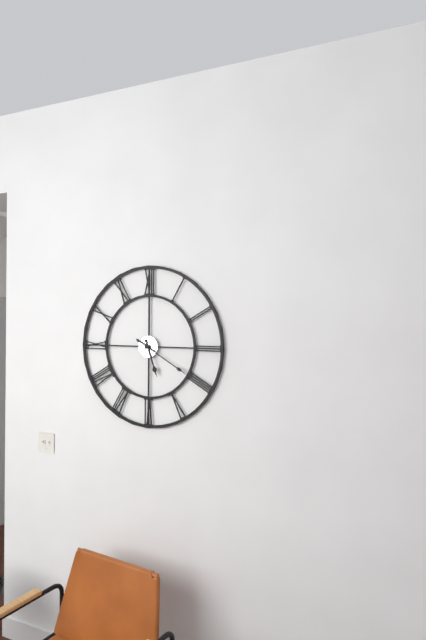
5:20
